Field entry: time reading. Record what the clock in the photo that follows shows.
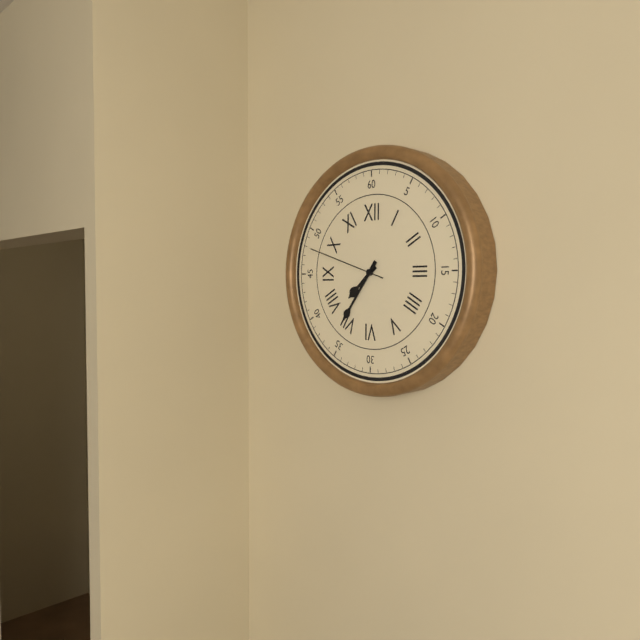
7:36:48
